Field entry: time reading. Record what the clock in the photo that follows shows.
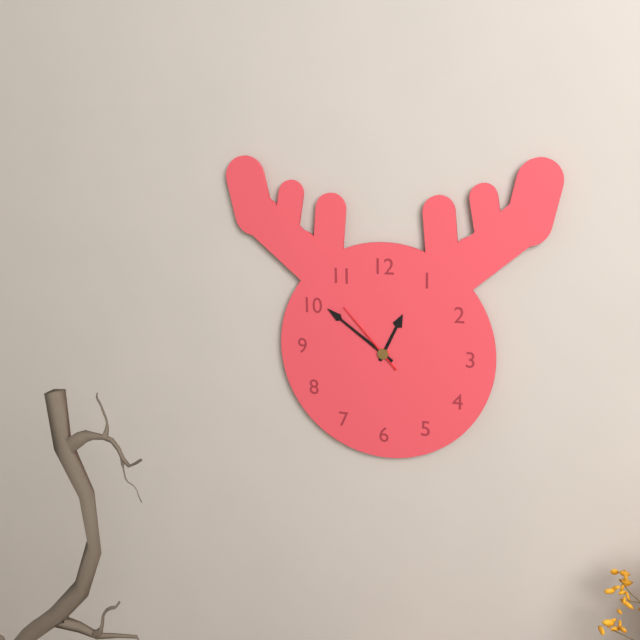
12:51:53
